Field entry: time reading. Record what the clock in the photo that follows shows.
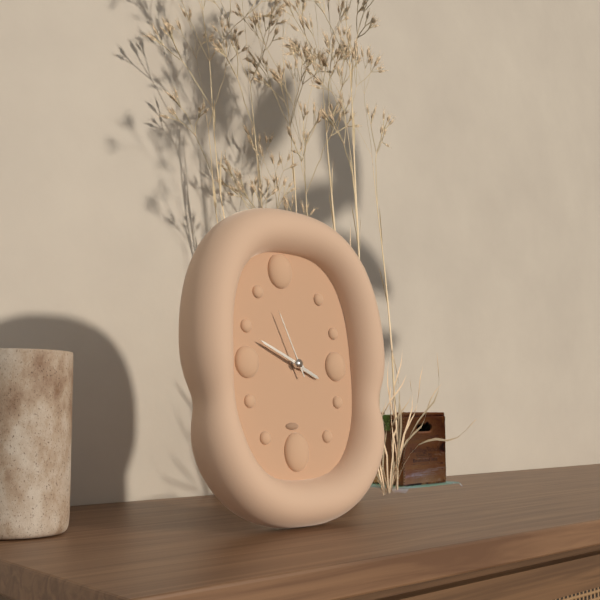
3:49:56
